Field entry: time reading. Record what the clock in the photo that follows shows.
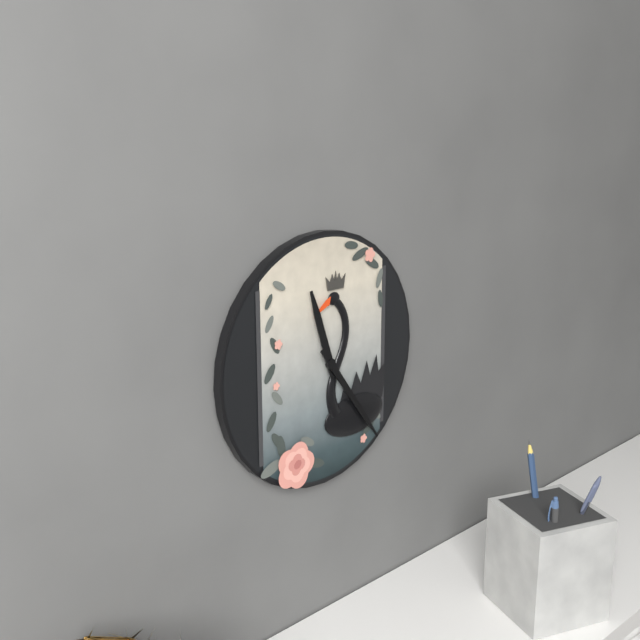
11:24
